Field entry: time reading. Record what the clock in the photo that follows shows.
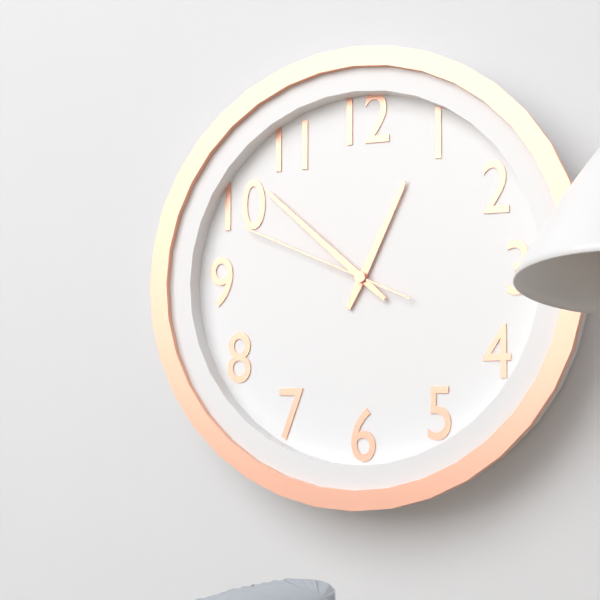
12:52:49
